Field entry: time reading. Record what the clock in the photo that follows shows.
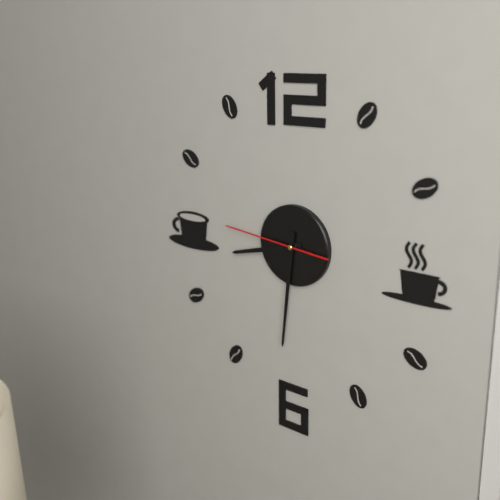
8:31:46
